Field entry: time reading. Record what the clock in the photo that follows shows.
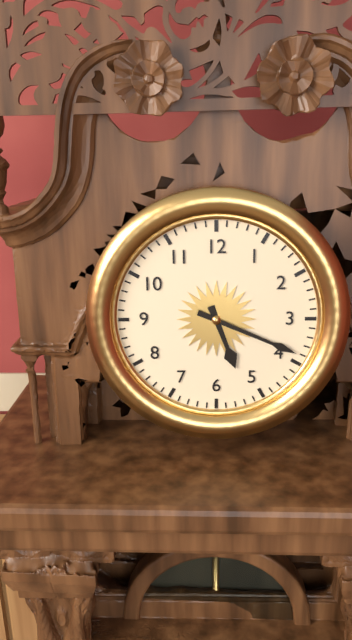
5:19
